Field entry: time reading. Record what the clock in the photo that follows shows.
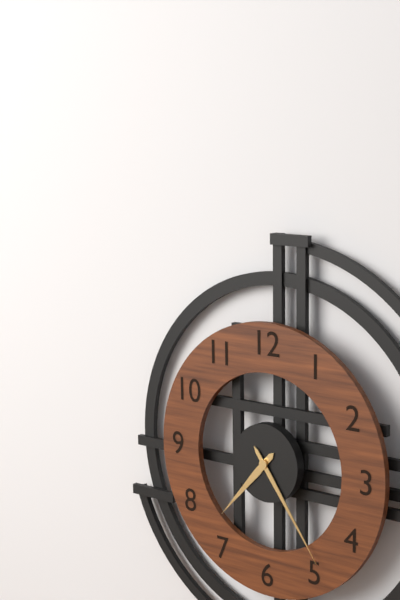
7:24
